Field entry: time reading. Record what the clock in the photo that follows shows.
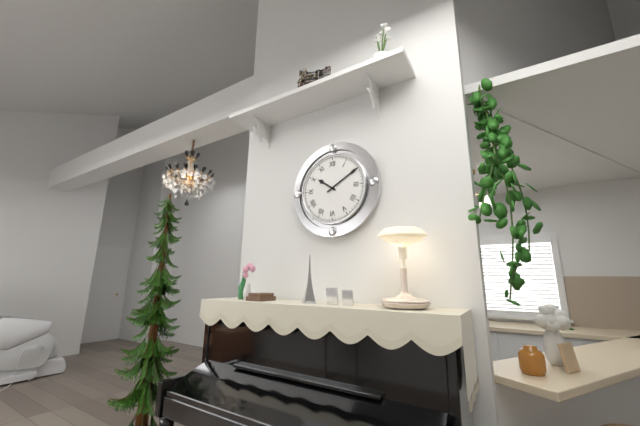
10:10
